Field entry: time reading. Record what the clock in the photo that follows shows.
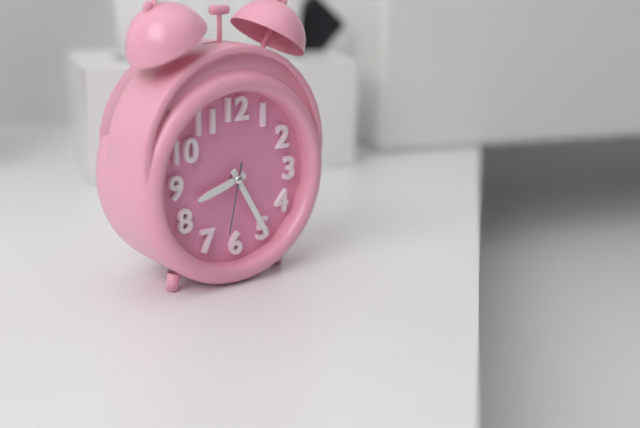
8:25:32
